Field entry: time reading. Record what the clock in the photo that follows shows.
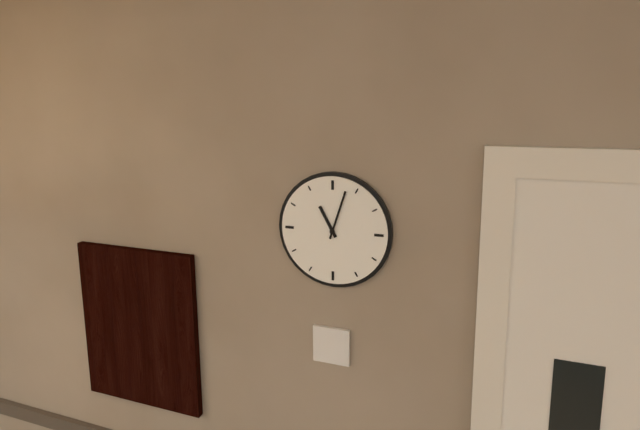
11:03
